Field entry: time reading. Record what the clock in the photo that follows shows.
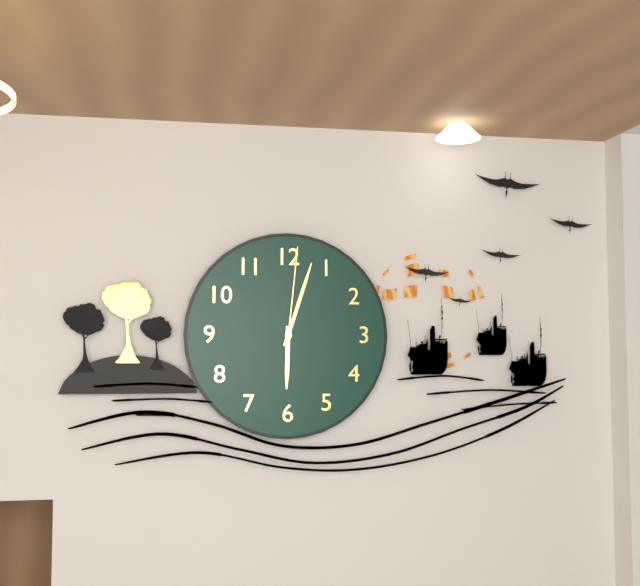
6:03:01
